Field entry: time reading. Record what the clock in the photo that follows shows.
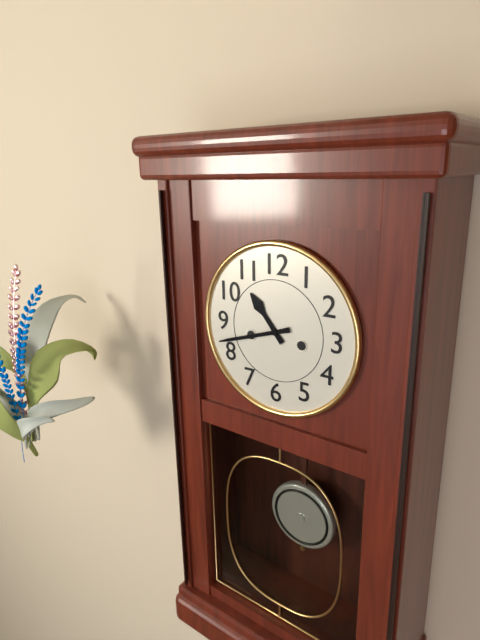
10:42
